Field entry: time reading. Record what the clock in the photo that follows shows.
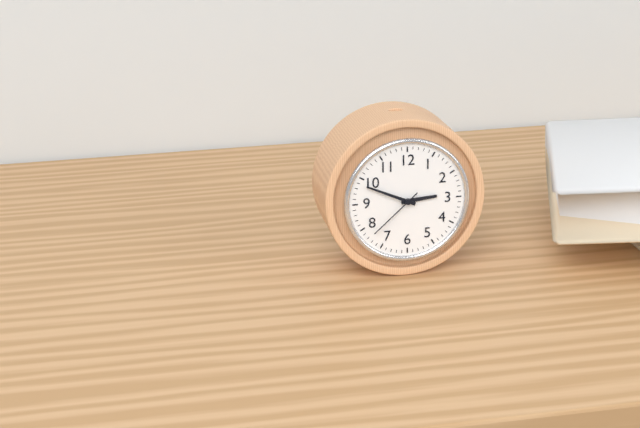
2:49:38
